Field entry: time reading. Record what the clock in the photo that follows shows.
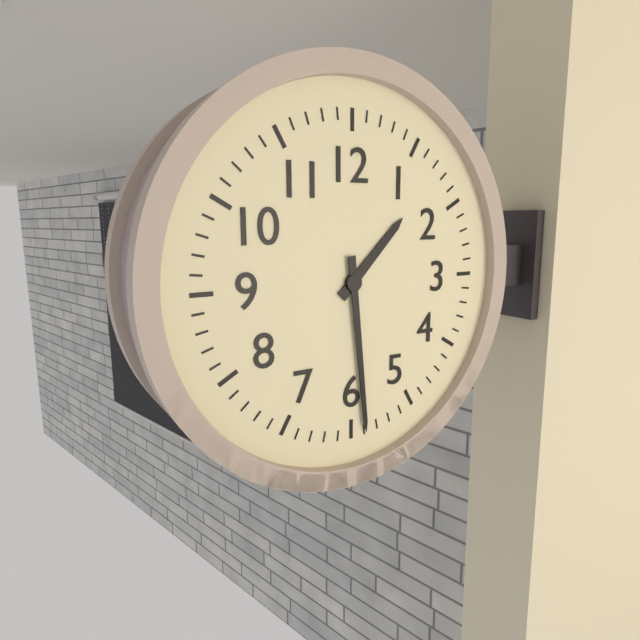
1:29
